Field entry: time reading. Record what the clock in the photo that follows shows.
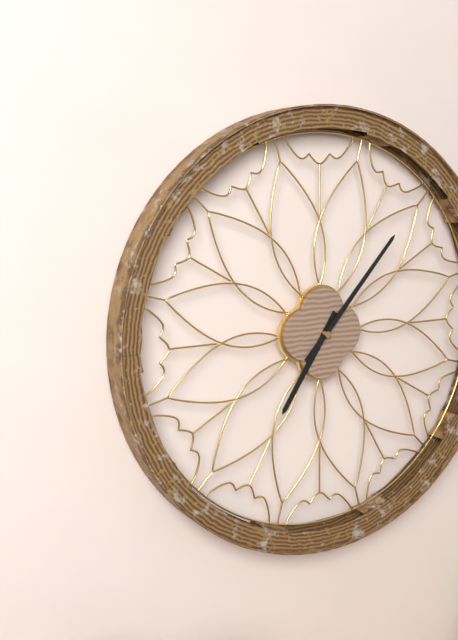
7:07
